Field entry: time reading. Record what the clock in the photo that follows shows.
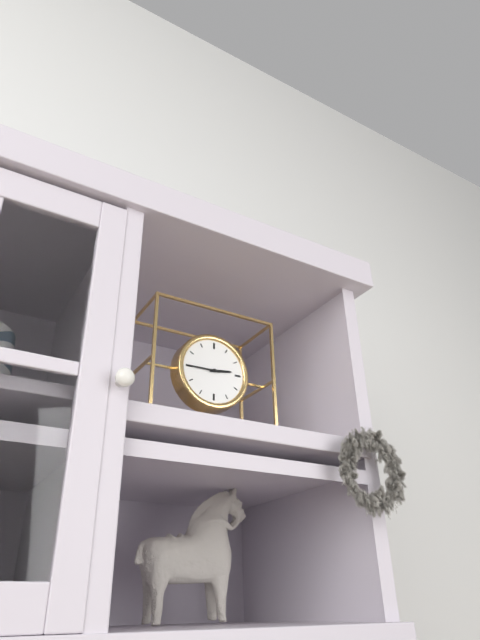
2:45
